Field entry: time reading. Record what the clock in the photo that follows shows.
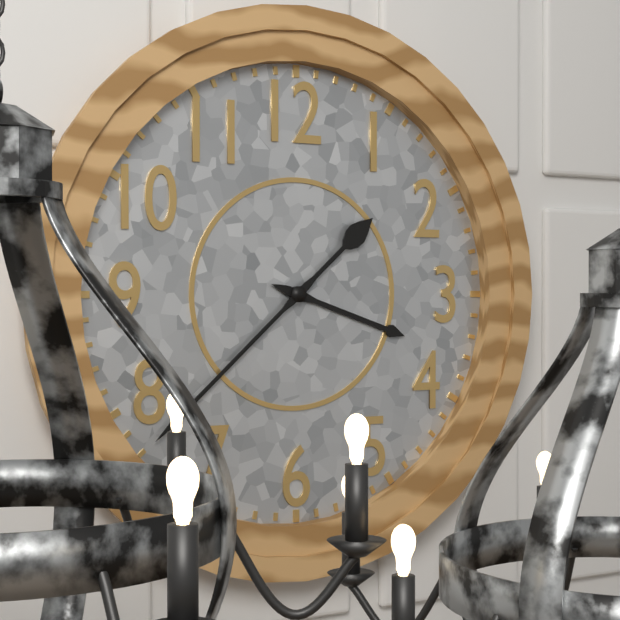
3:38
